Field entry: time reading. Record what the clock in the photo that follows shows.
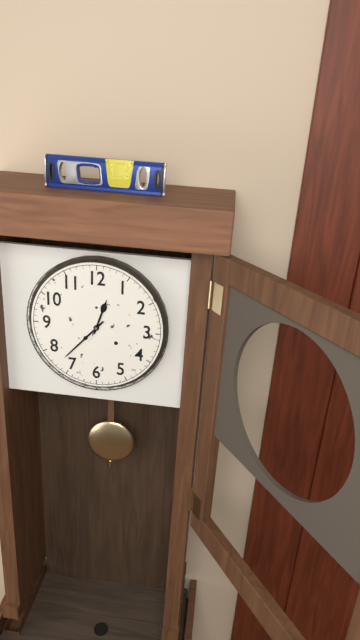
12:37
